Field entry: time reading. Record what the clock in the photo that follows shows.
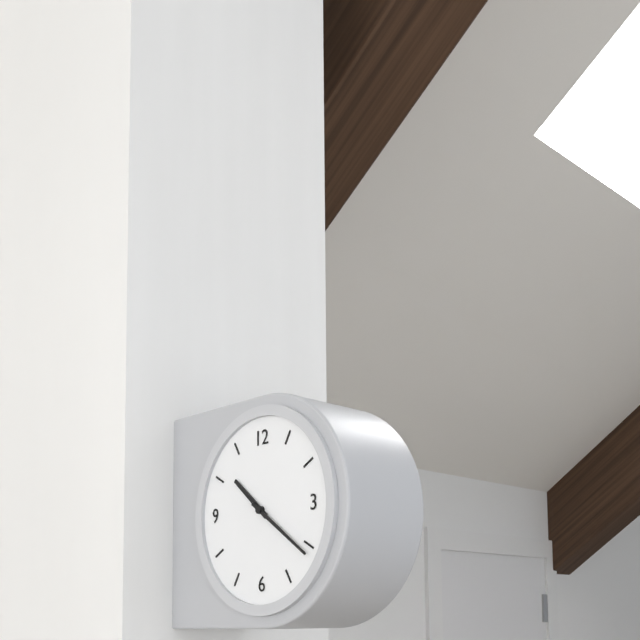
10:21
